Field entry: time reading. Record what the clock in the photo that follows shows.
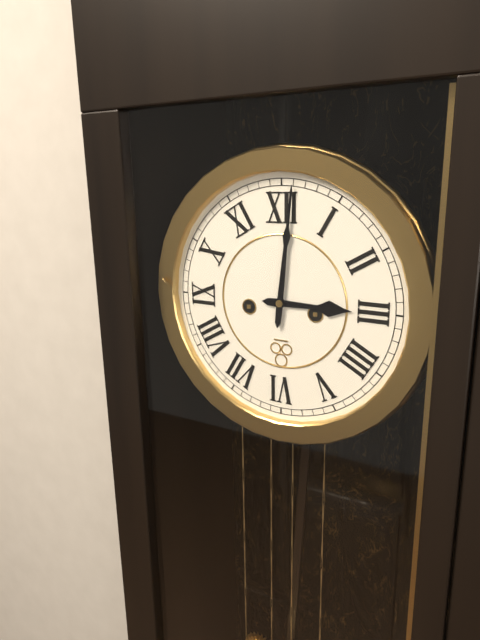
3:01
